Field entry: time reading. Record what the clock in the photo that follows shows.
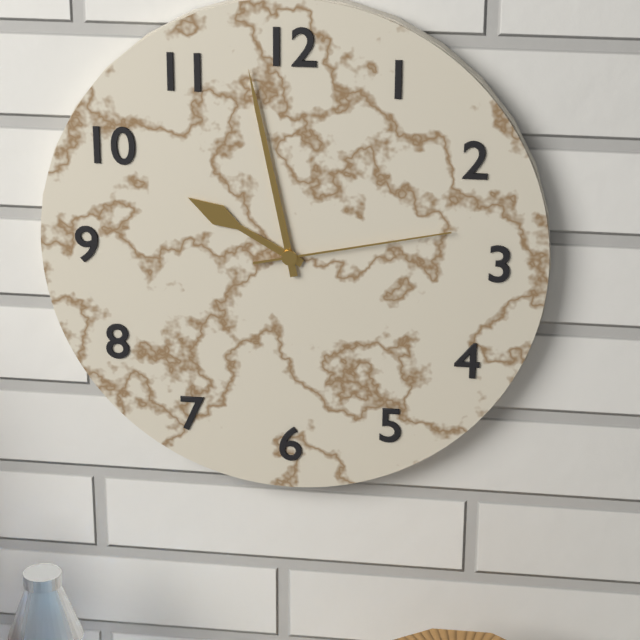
9:58:13
